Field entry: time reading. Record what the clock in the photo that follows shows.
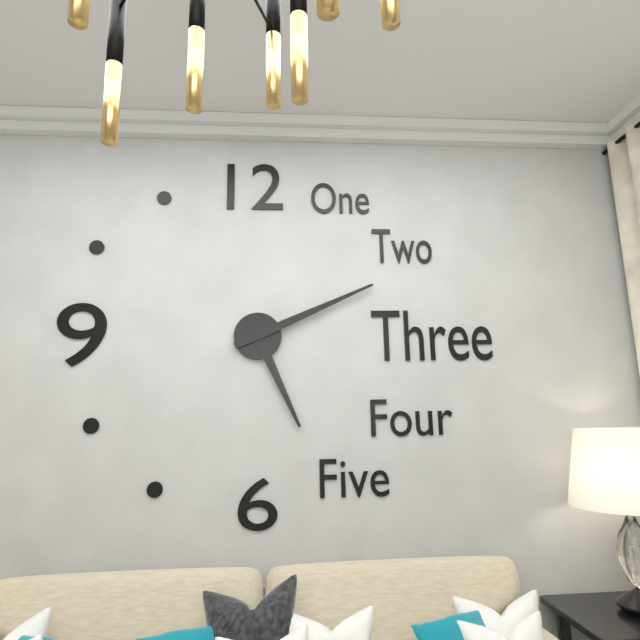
5:11
